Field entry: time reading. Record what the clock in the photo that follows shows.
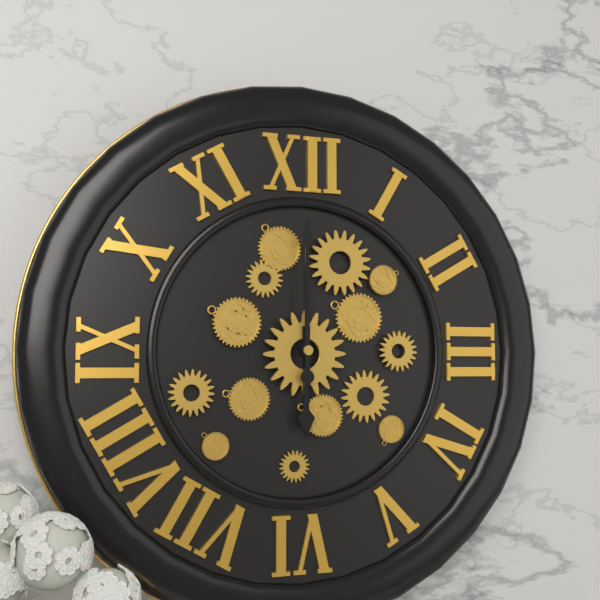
6:00
